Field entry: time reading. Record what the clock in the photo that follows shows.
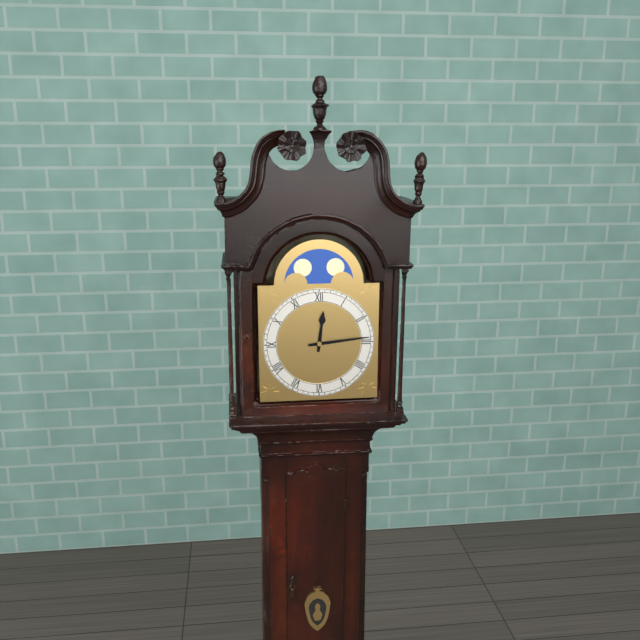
12:14
